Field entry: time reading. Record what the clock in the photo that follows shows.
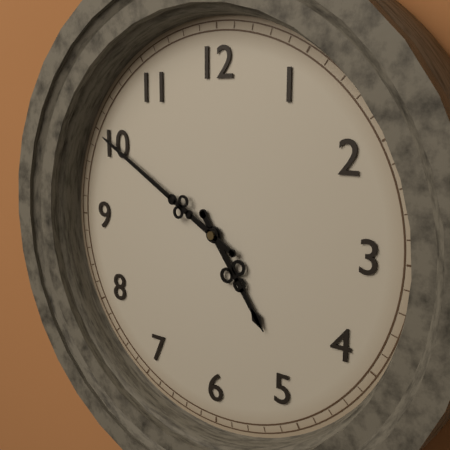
4:50
